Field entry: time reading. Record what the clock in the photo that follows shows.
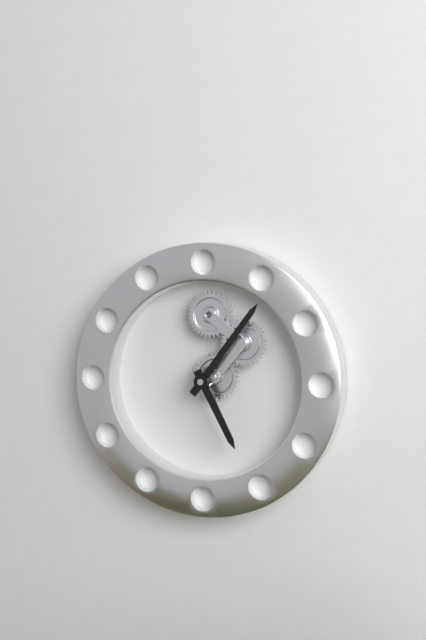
5:06
